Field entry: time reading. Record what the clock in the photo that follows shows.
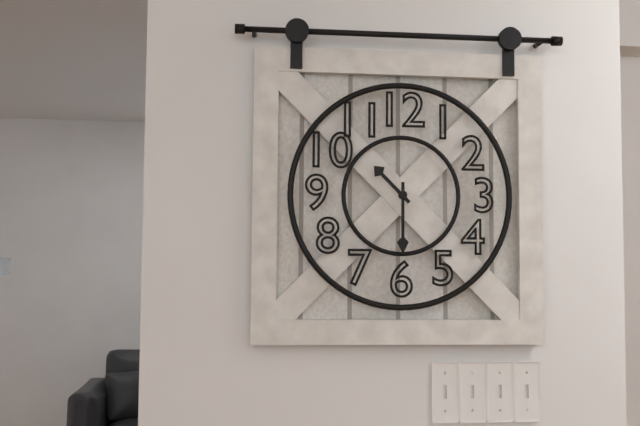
10:30
